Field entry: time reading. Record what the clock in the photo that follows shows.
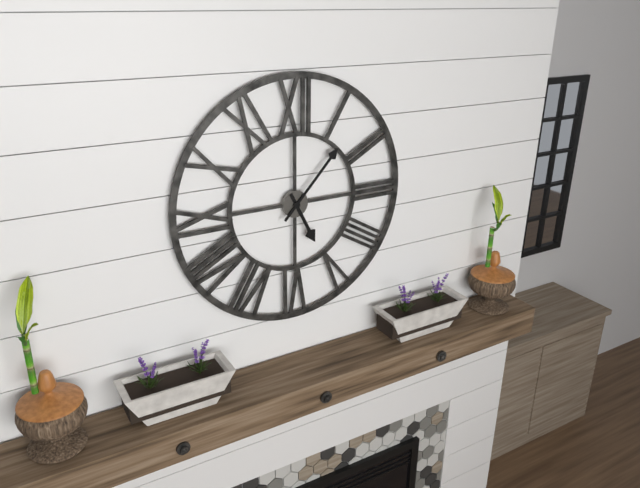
5:07
